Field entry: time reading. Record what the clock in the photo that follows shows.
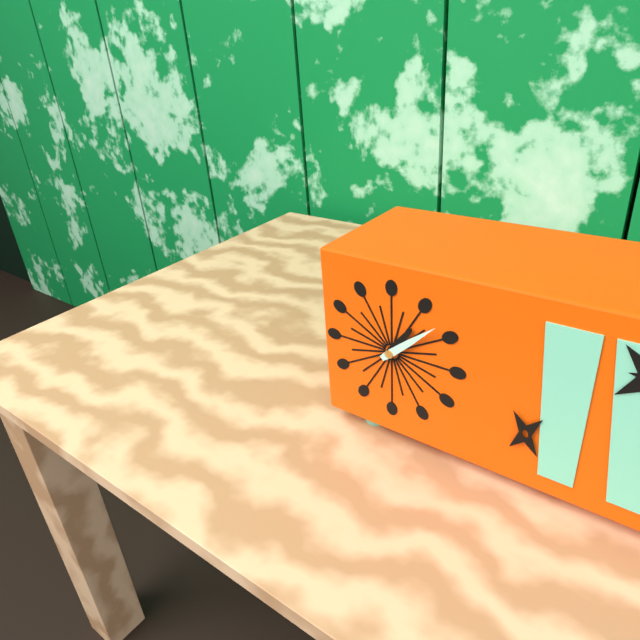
1:08
